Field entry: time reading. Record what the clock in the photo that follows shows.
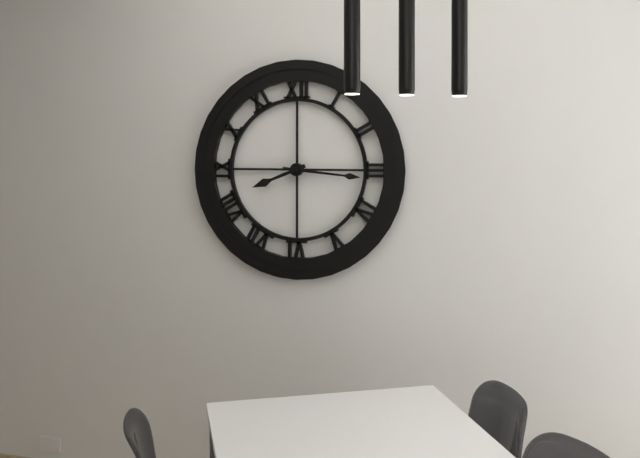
8:16
